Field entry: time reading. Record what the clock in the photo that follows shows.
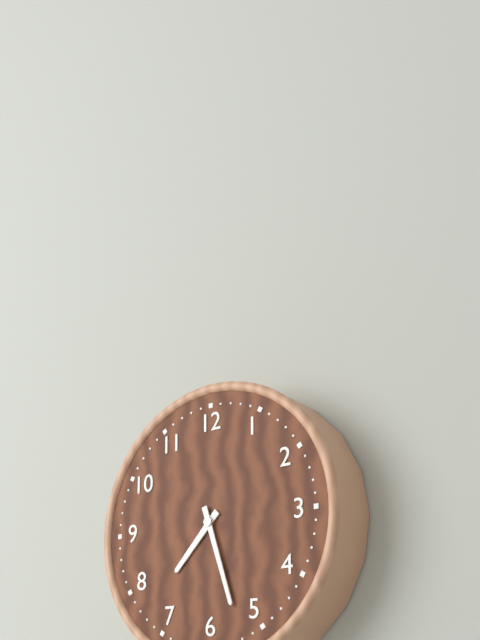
7:27
